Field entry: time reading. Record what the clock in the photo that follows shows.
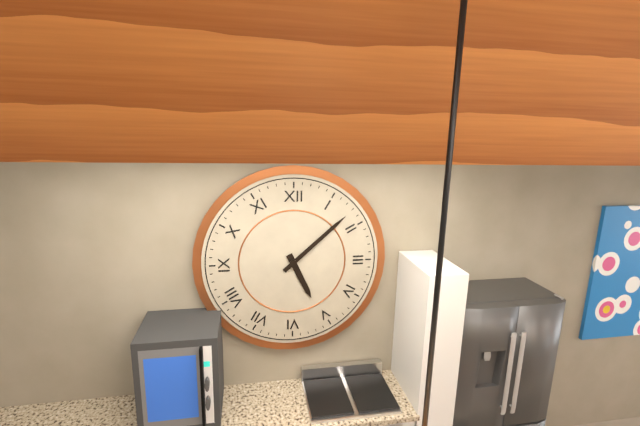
5:08
